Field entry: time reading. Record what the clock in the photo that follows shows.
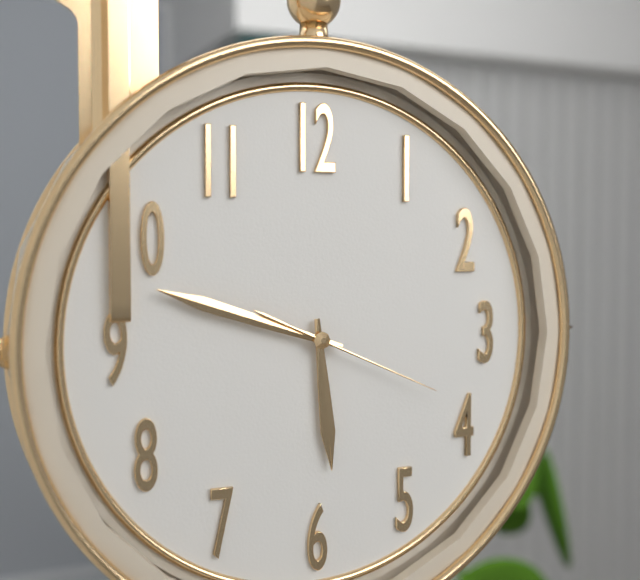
5:48:19
